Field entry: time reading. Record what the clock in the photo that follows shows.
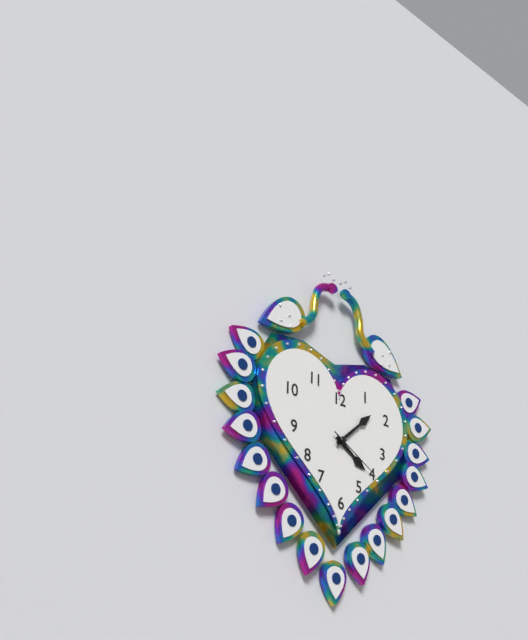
4:08:20
